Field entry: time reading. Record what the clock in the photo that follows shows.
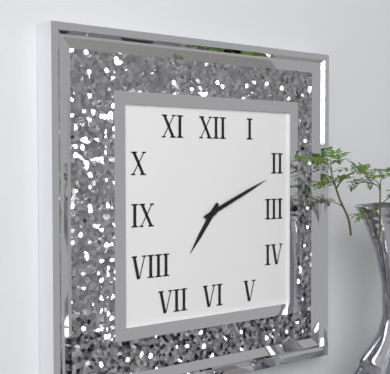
7:11
